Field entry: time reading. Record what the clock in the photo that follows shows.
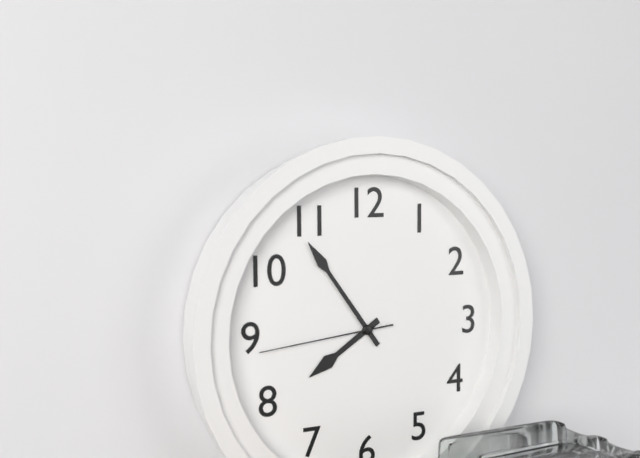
7:54:44
